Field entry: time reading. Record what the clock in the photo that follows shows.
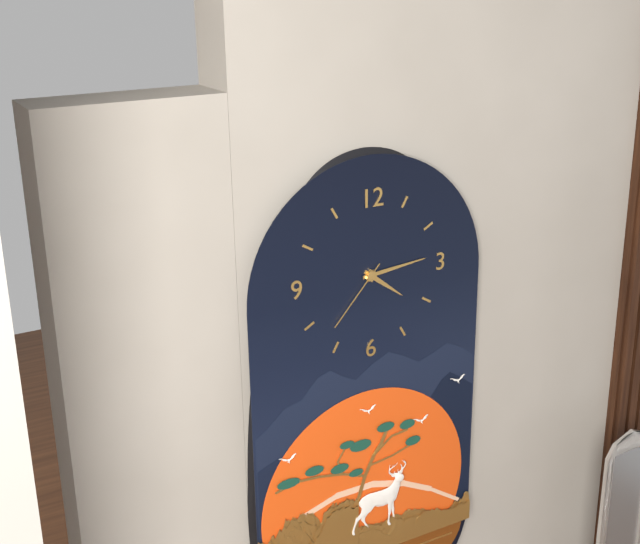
4:14:37
